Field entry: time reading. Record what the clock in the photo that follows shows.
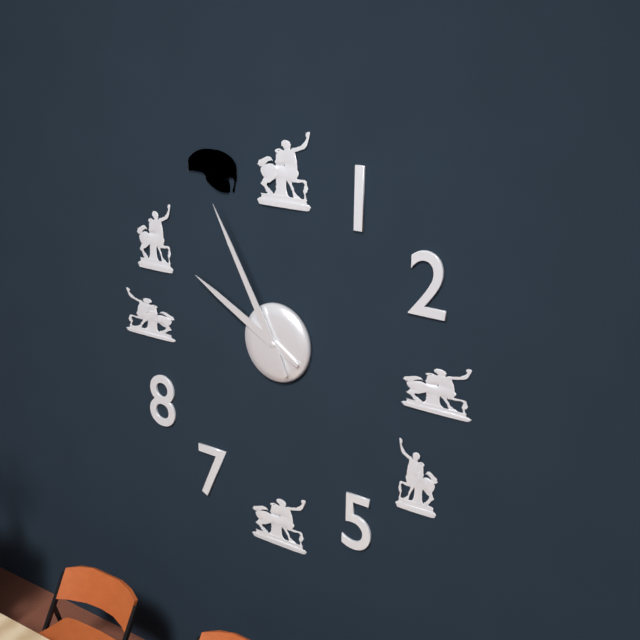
9:55
